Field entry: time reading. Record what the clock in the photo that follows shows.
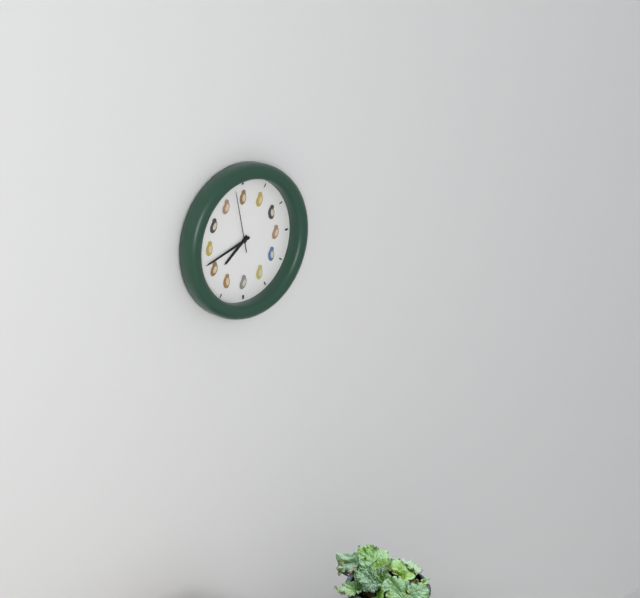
7:42:58
